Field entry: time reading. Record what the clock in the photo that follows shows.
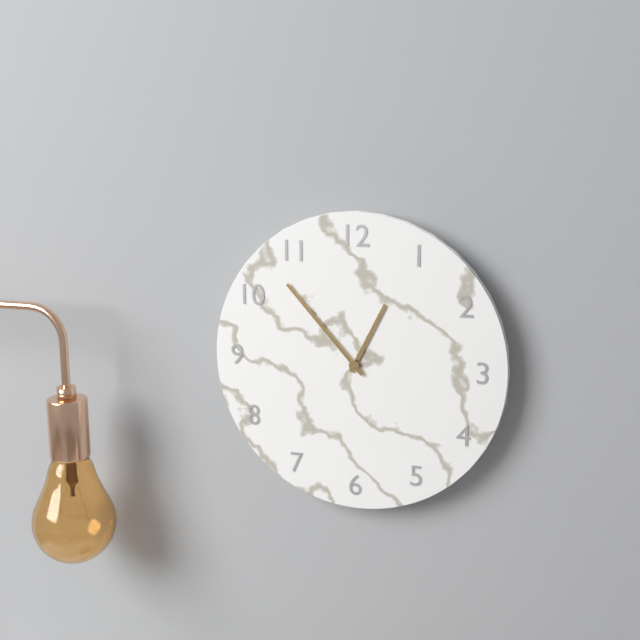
12:53
